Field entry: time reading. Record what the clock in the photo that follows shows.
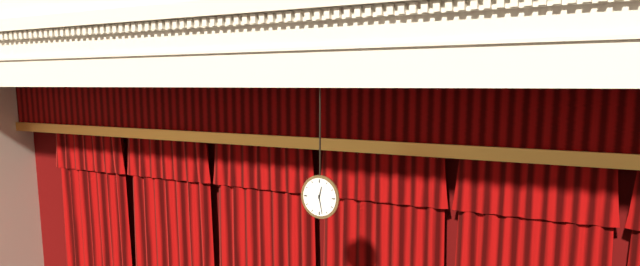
12:28
